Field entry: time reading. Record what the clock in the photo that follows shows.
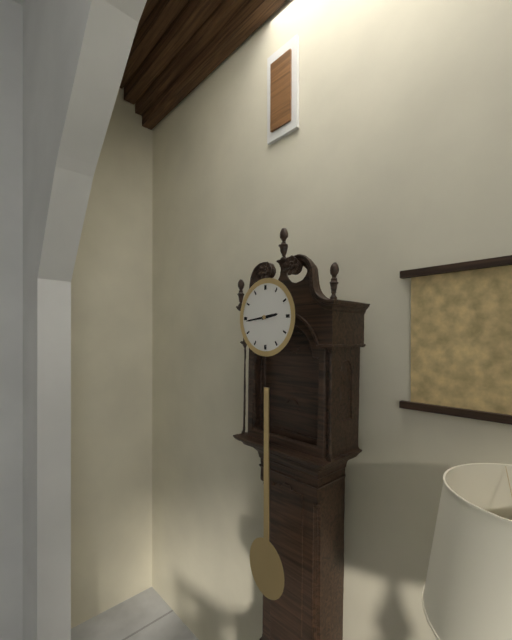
2:44
